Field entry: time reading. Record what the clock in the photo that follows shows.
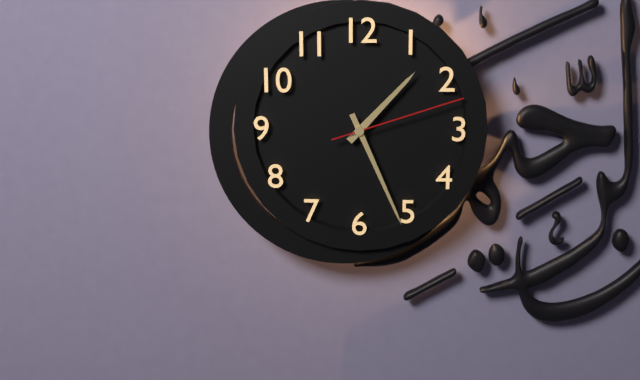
1:26:12
